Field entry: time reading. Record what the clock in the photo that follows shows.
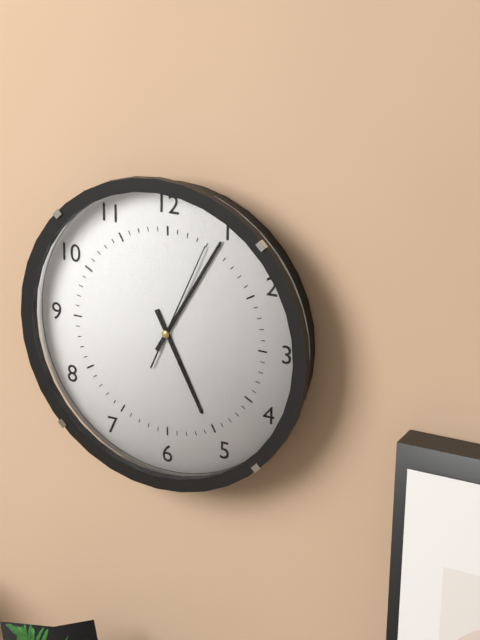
5:05:04
